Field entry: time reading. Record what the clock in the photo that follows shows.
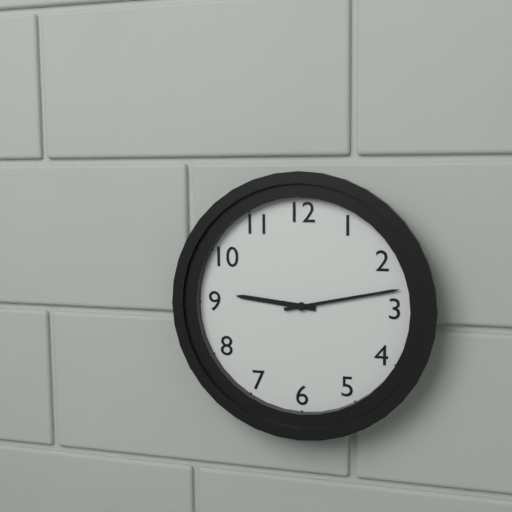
9:13
